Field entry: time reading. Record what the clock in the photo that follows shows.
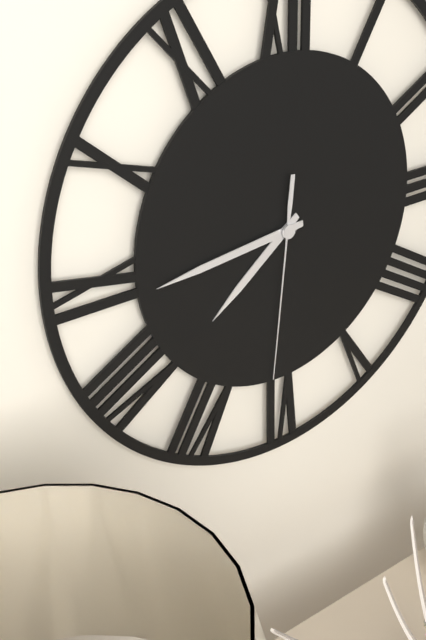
7:44:31
